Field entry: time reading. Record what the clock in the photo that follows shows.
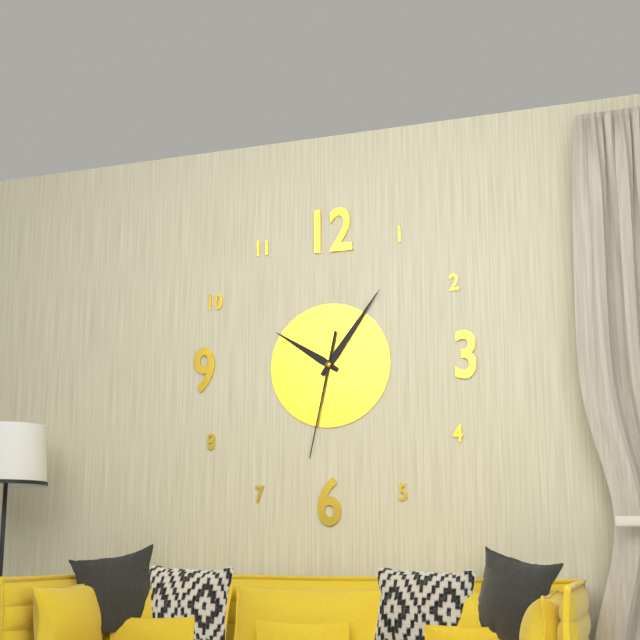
10:06:32
